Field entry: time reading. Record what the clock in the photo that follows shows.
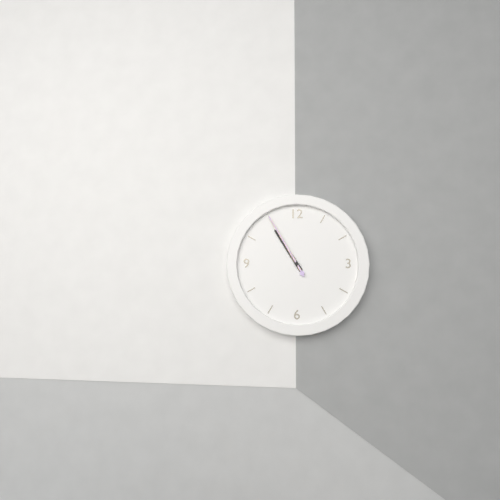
10:55:55
